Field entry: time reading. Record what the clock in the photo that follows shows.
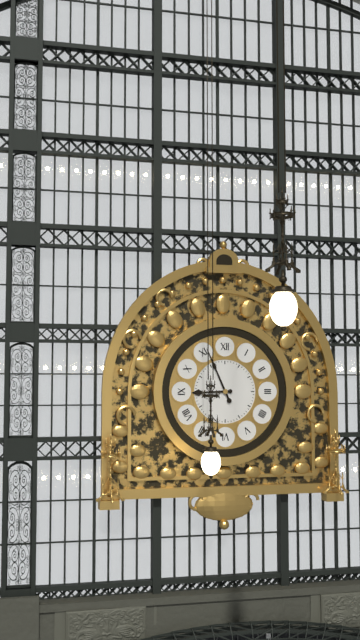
8:56
